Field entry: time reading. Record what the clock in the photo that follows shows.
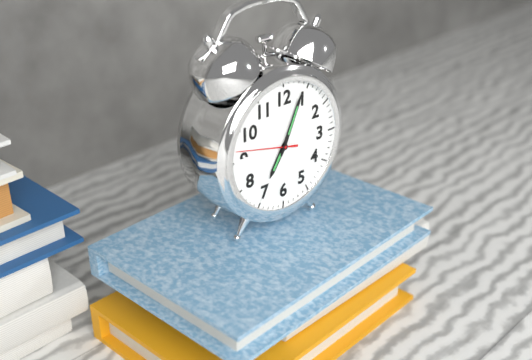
7:04:47
